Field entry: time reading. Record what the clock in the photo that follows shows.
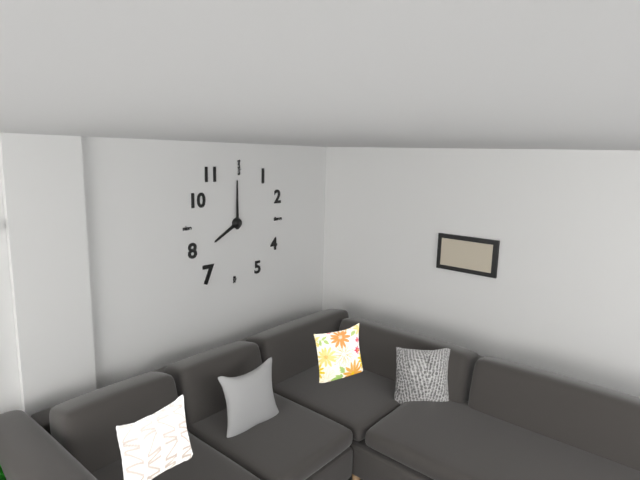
8:00
